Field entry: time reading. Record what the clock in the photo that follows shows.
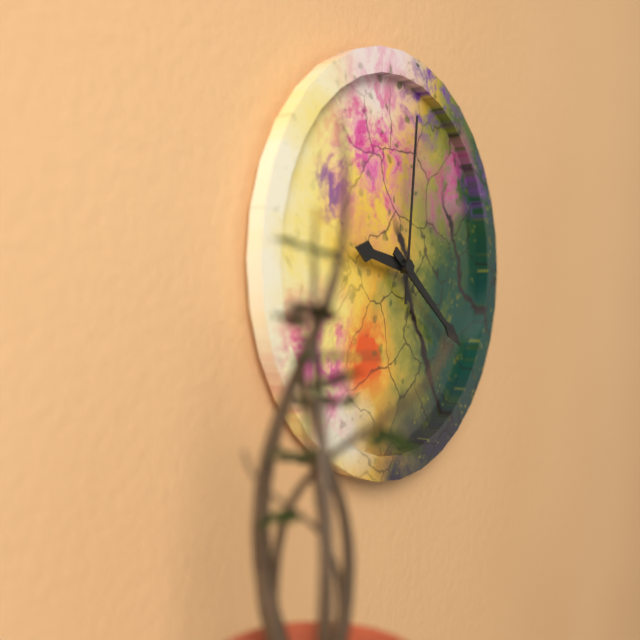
9:21:01
